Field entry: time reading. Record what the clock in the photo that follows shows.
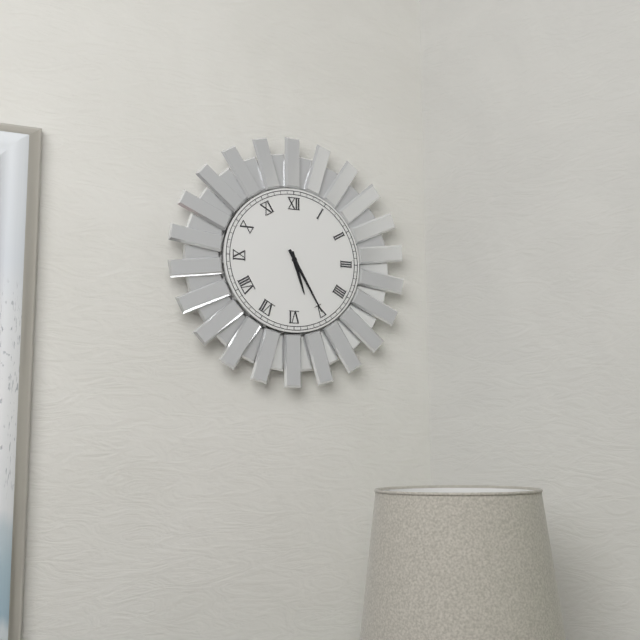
5:25
